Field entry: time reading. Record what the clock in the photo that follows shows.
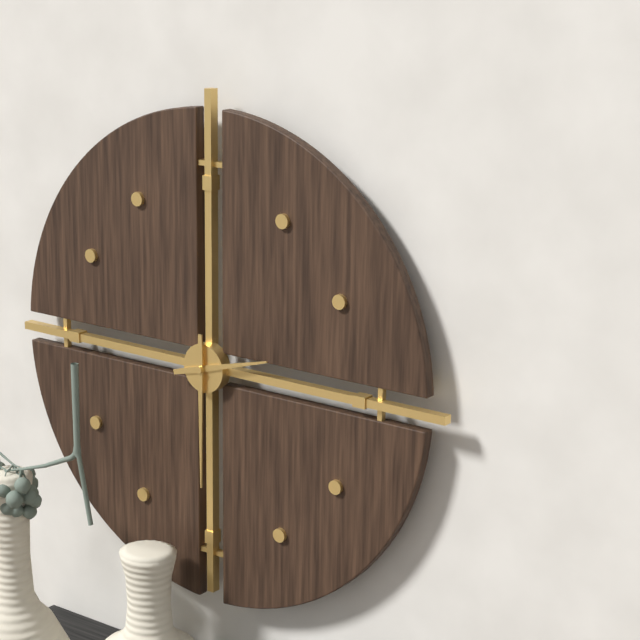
2:30
